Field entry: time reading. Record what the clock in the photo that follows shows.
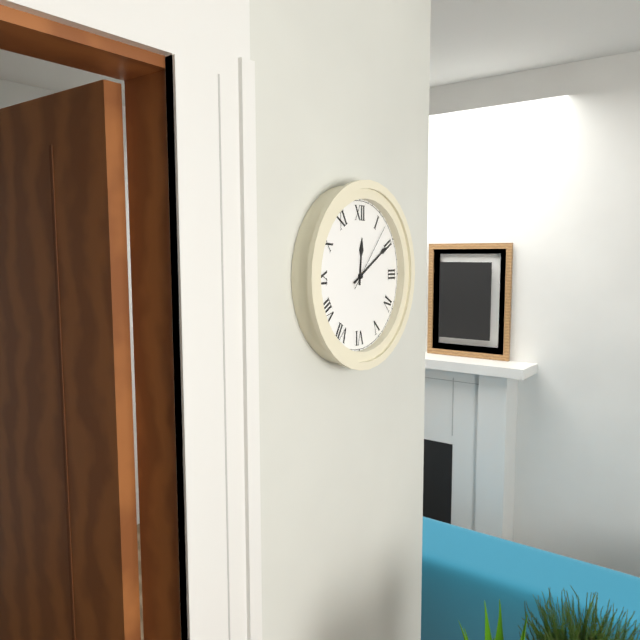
12:10:07
